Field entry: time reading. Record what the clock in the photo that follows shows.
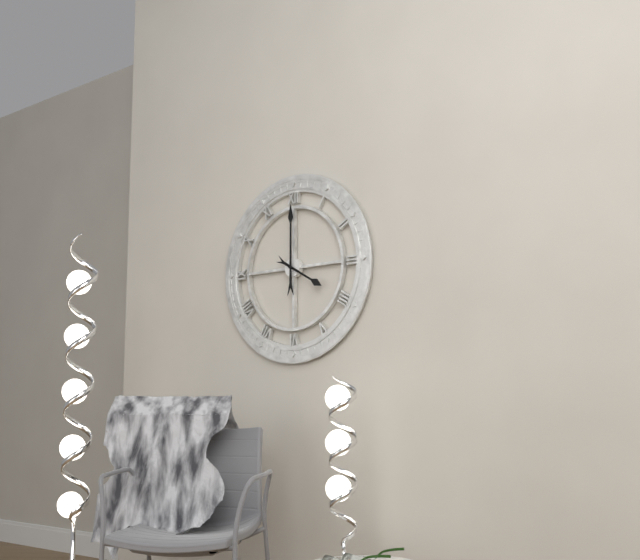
4:00
